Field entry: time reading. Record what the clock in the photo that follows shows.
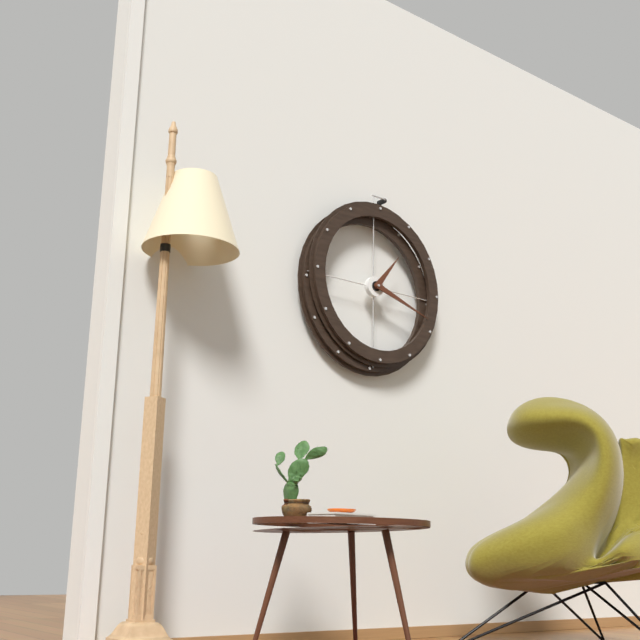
1:18
